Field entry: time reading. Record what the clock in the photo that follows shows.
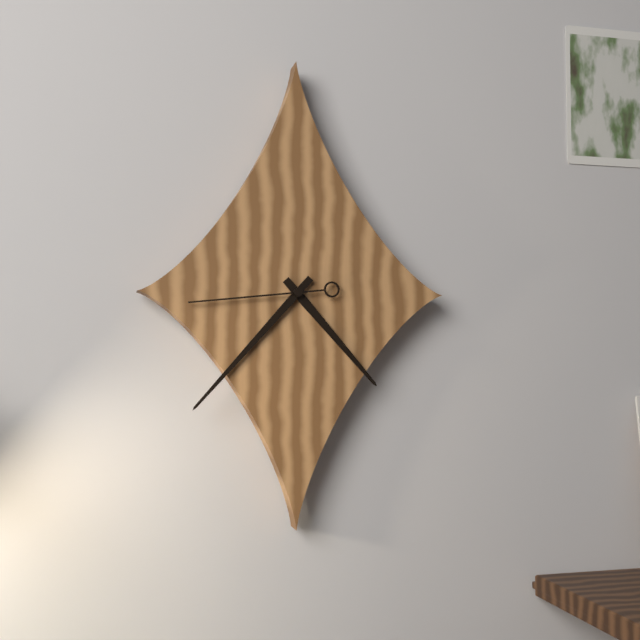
4:37:44
